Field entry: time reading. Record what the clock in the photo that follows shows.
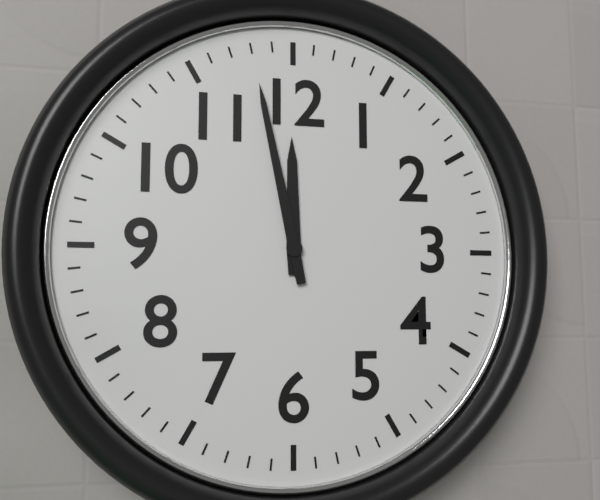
11:58
